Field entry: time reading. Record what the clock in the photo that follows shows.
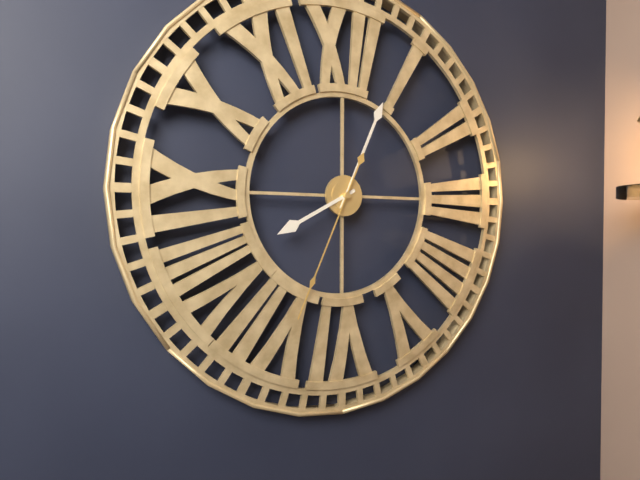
8:04:34
